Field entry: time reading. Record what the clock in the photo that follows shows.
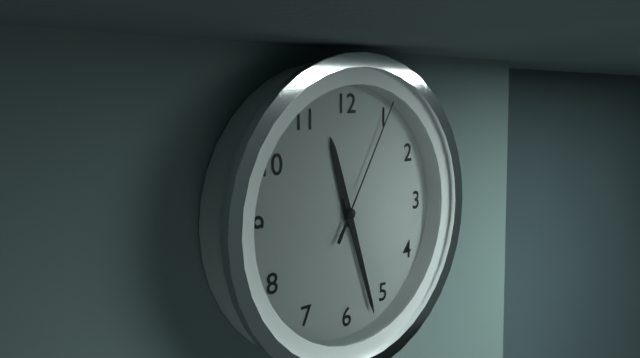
11:27:05
